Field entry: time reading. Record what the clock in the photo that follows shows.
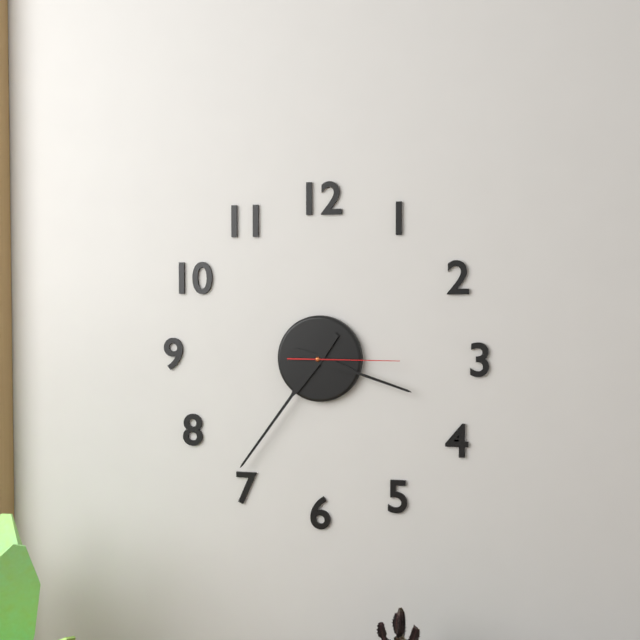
3:36:15
